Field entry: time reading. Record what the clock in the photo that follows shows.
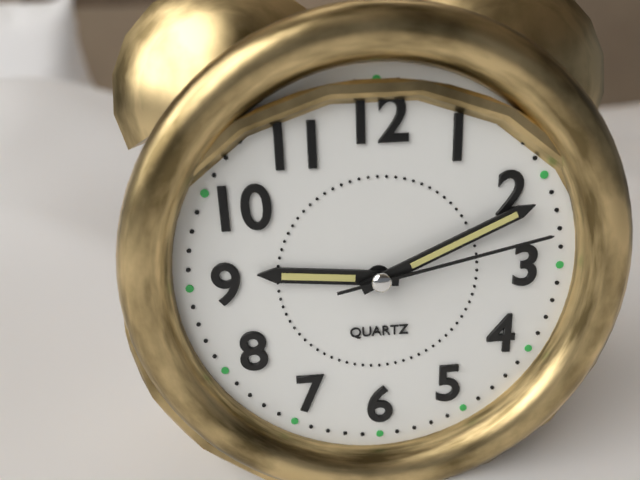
9:11:13
